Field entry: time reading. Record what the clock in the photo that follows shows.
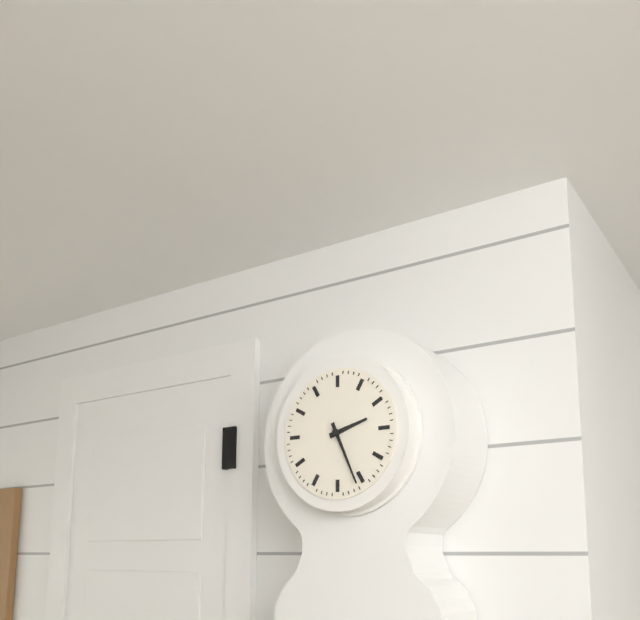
2:26
